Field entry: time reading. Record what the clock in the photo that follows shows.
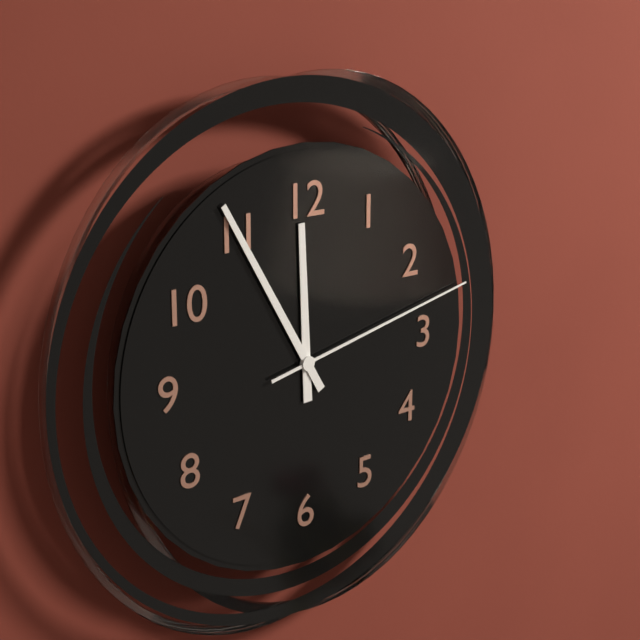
11:55:13
